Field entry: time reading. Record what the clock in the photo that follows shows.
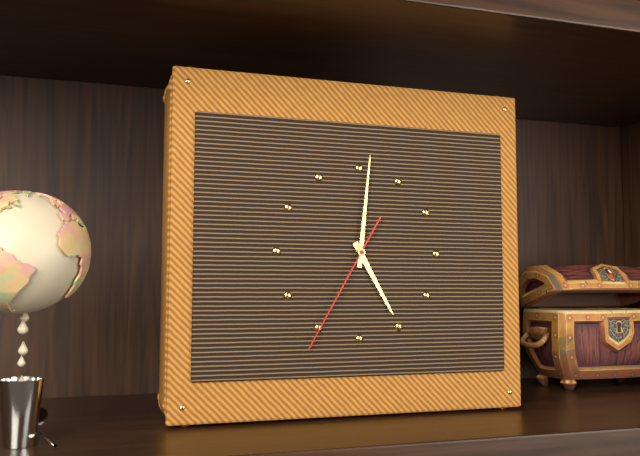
5:01:35
